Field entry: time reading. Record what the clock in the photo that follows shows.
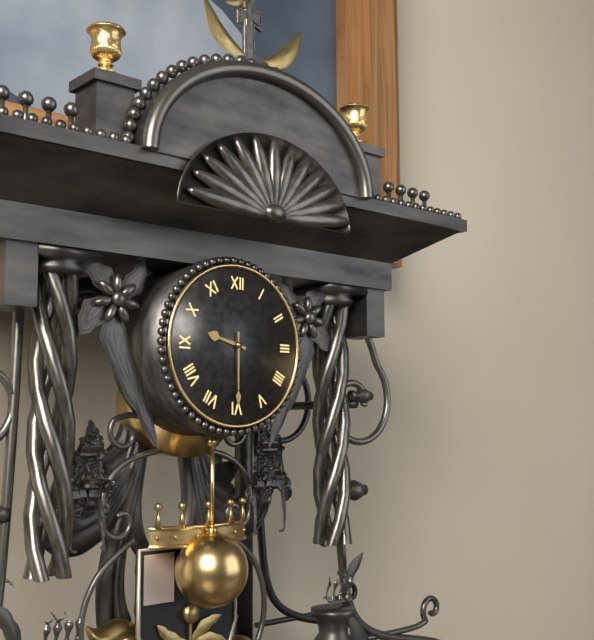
9:30
